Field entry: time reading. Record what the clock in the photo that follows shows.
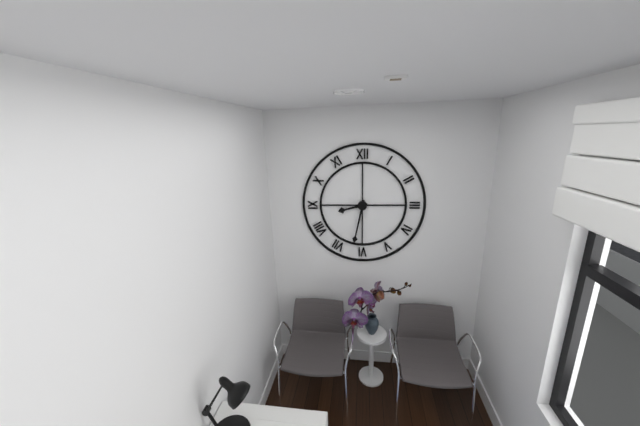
8:32
